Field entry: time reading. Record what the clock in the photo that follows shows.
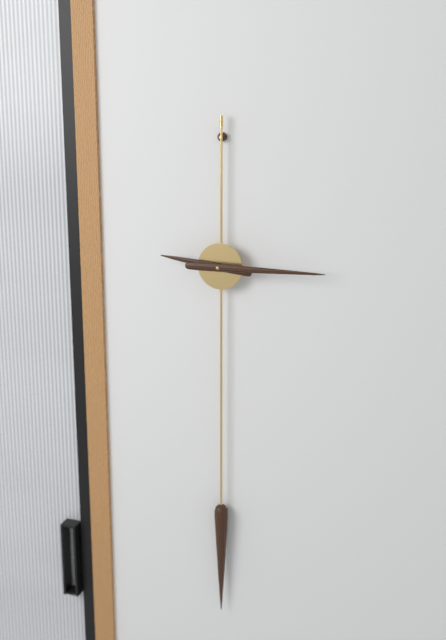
9:15
